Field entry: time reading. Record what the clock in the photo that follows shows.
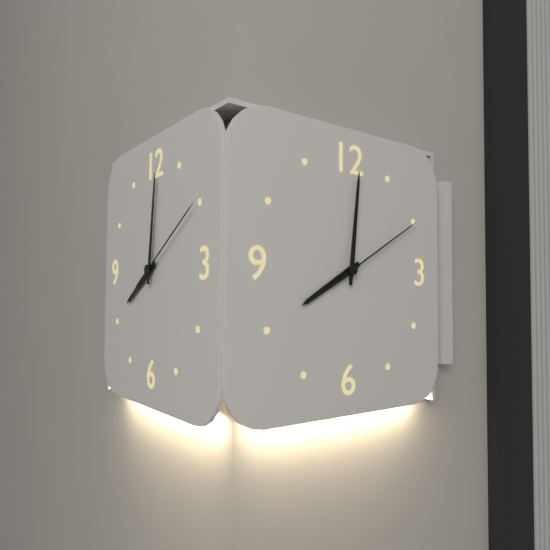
8:01:10
